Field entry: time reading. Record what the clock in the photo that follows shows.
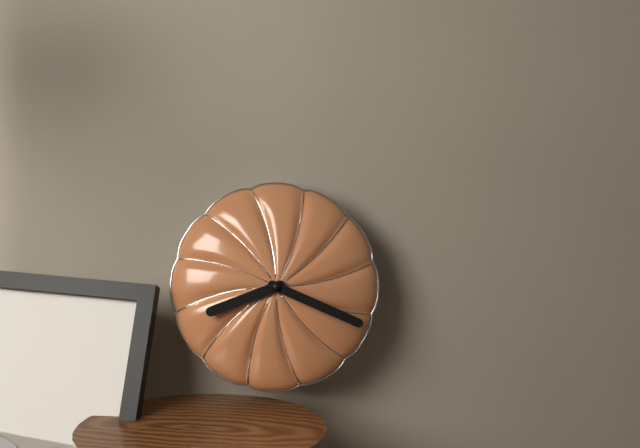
8:19
